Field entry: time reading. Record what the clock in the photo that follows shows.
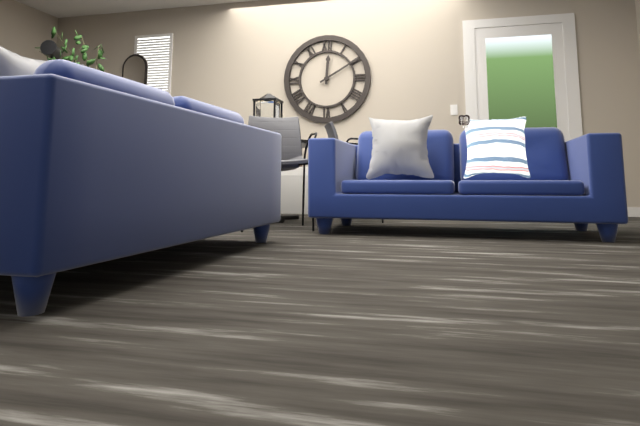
12:10
